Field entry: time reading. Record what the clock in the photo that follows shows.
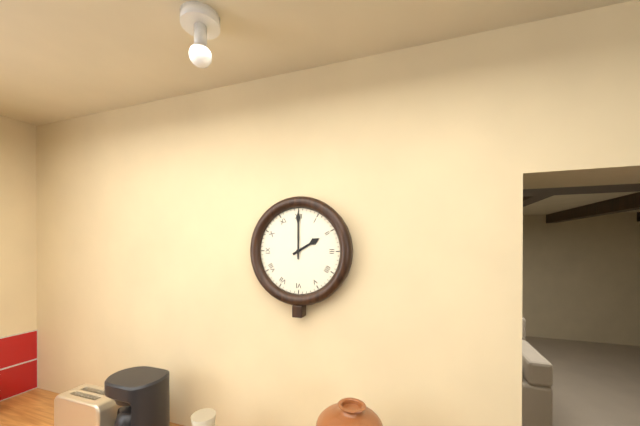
2:00
